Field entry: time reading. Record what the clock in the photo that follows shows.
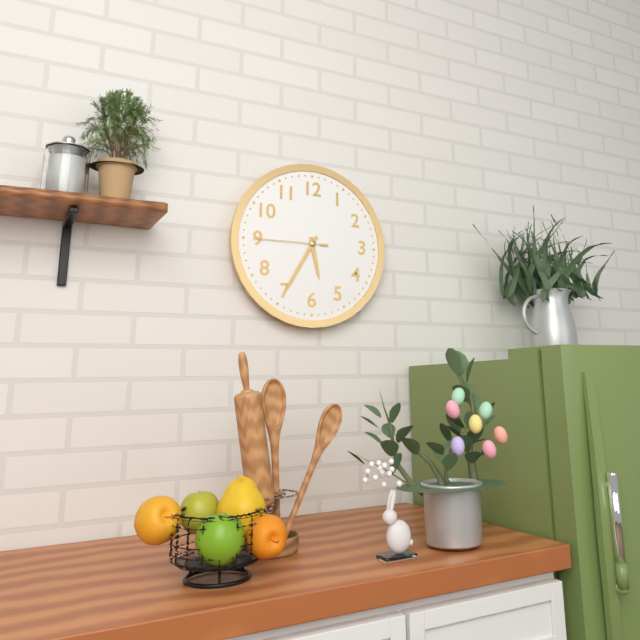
5:35:45
